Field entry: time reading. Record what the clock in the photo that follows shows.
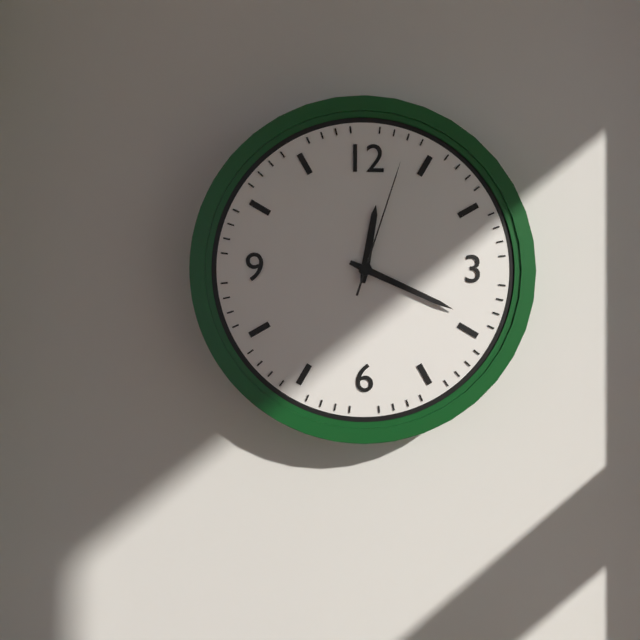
12:19:03
